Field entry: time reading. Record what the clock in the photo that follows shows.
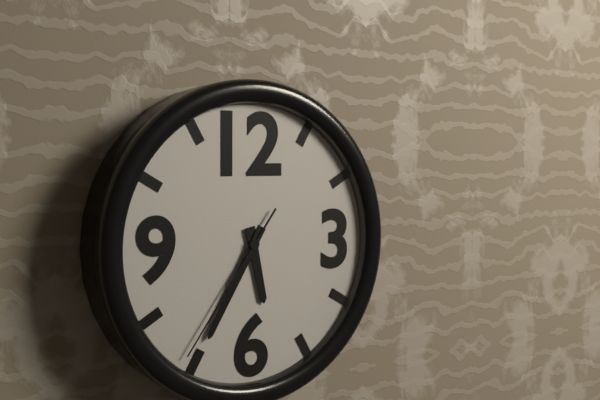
5:35:36
